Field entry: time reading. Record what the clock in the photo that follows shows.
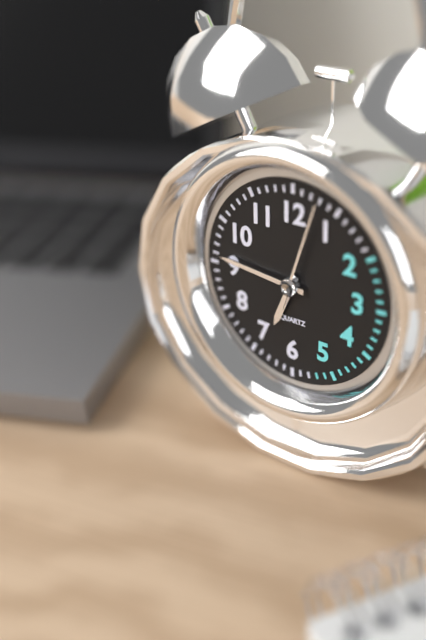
6:46:03
